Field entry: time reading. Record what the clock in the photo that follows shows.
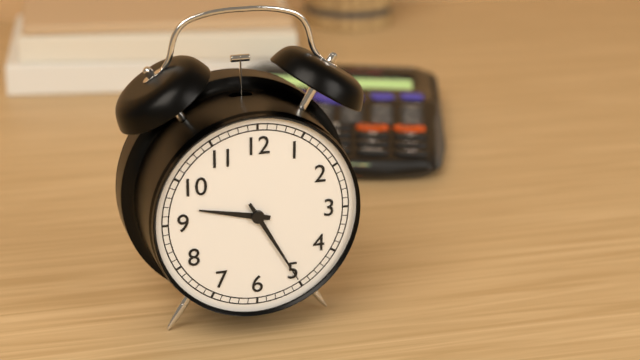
9:25
